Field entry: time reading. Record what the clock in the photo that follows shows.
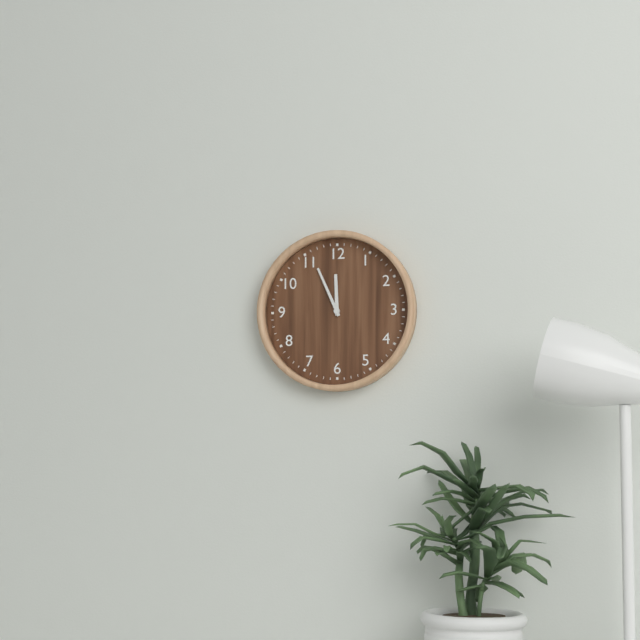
11:56
